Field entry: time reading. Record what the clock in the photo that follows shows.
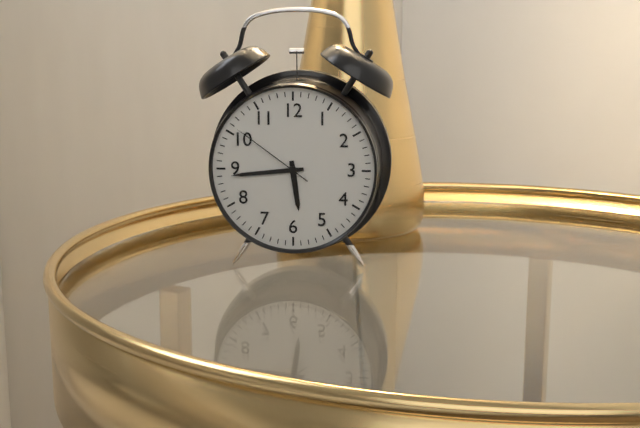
5:44:51
